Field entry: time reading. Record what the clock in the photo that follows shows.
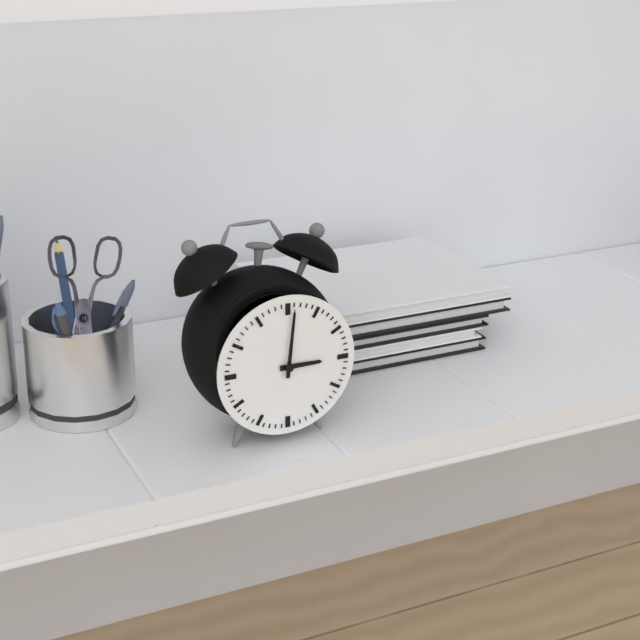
3:01
